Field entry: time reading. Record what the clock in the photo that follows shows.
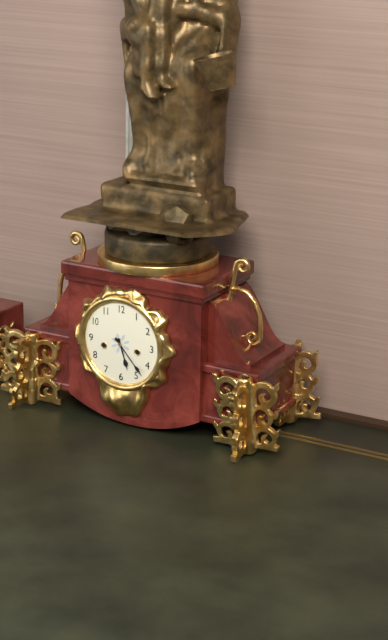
5:23
